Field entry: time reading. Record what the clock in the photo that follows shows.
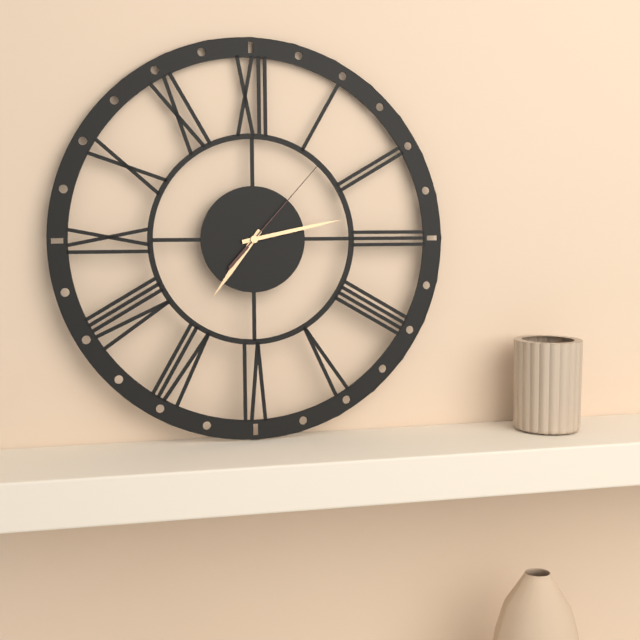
7:13:07
